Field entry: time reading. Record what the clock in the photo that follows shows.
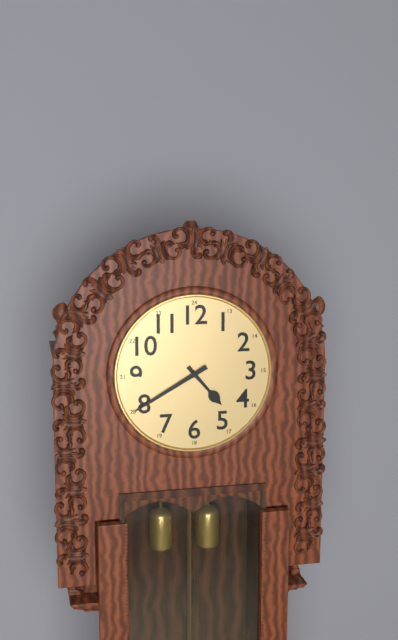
4:40
